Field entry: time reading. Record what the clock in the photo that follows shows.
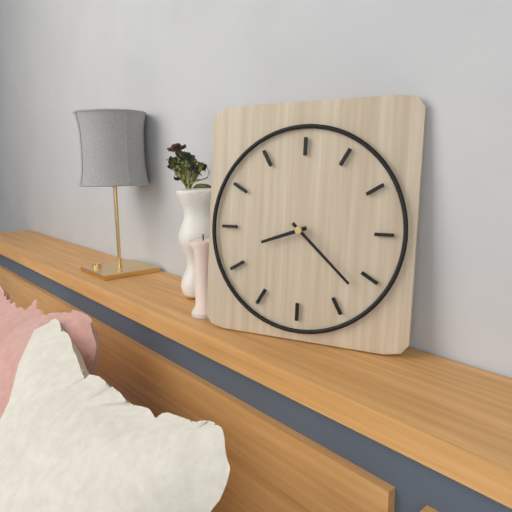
8:22
